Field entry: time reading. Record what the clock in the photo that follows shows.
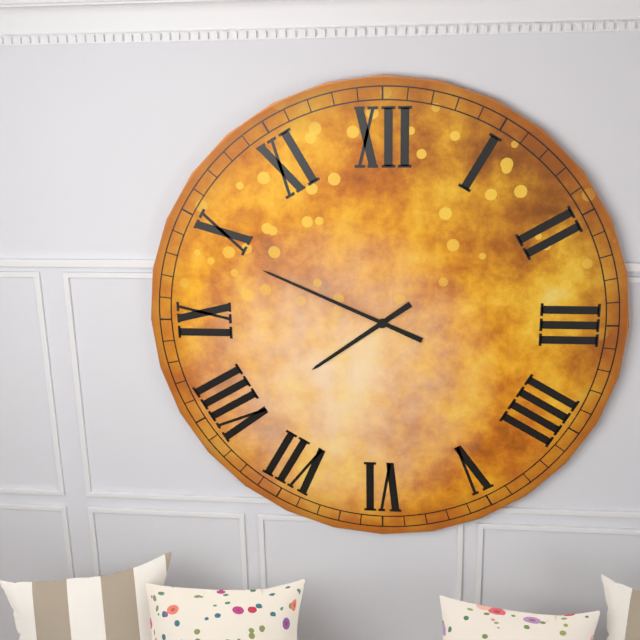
7:49
